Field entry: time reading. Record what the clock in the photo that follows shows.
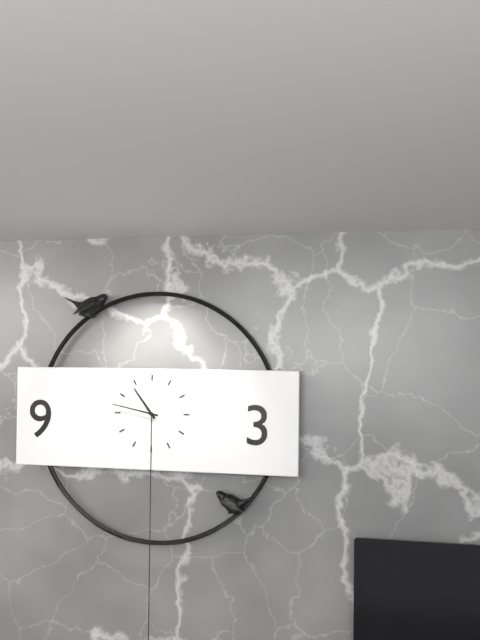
10:47
